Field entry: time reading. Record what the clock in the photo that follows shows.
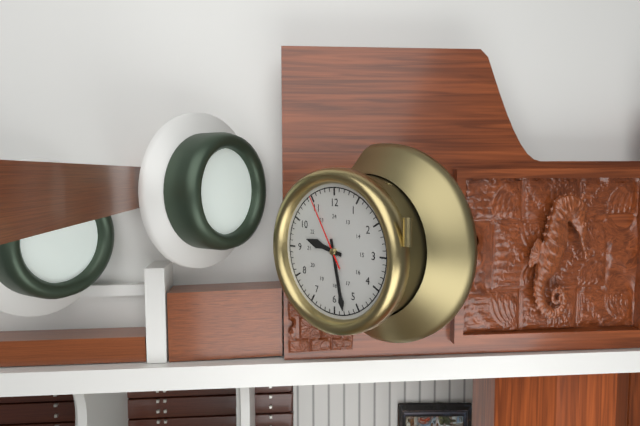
9:28:55
